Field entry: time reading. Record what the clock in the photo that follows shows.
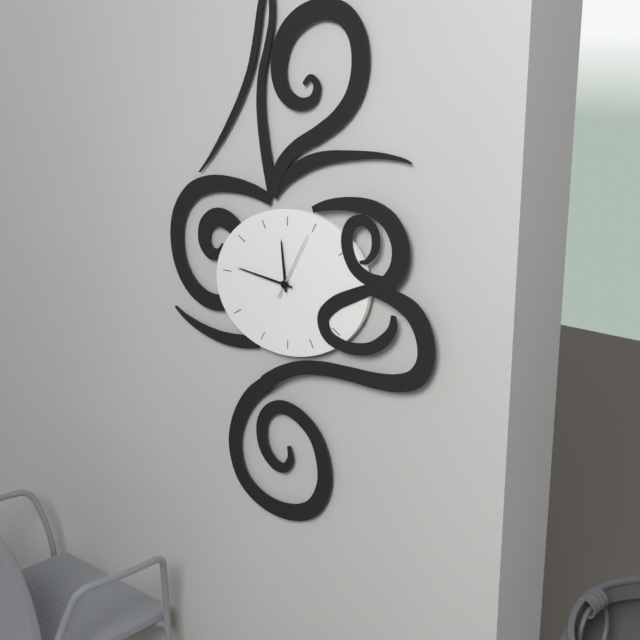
11:46:05
